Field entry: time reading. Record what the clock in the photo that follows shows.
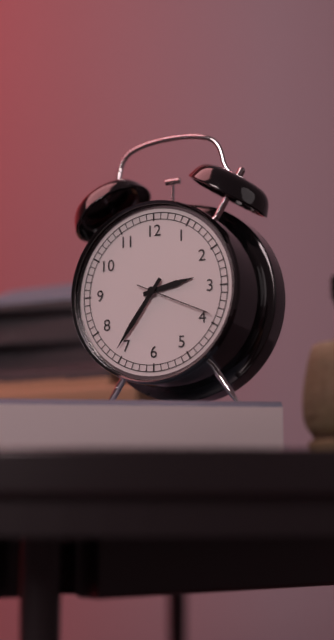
2:36:19
